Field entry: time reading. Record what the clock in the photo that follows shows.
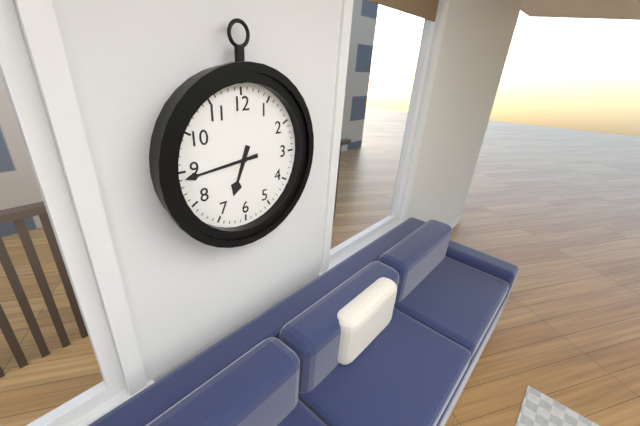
6:44
